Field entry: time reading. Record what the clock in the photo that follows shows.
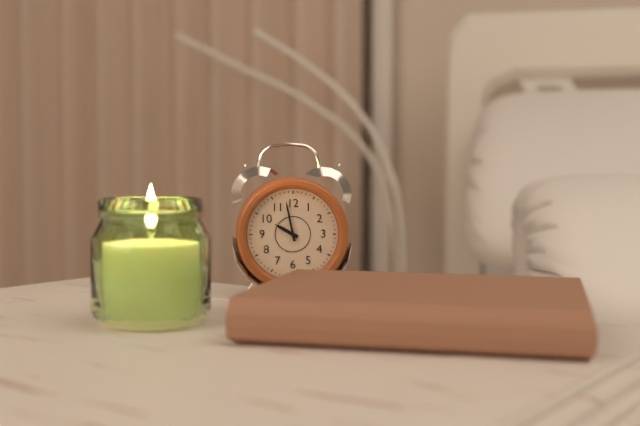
9:58
